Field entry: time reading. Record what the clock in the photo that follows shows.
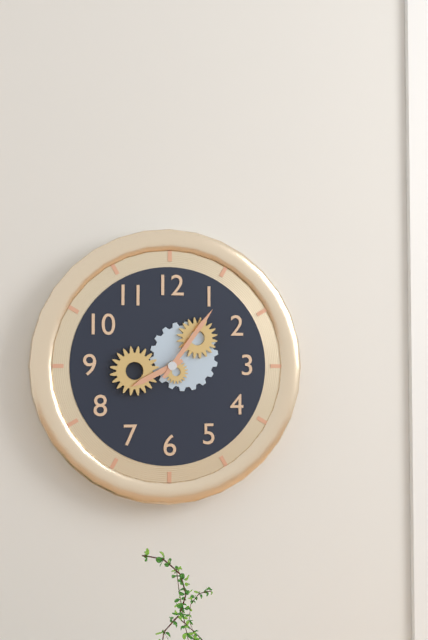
8:06
